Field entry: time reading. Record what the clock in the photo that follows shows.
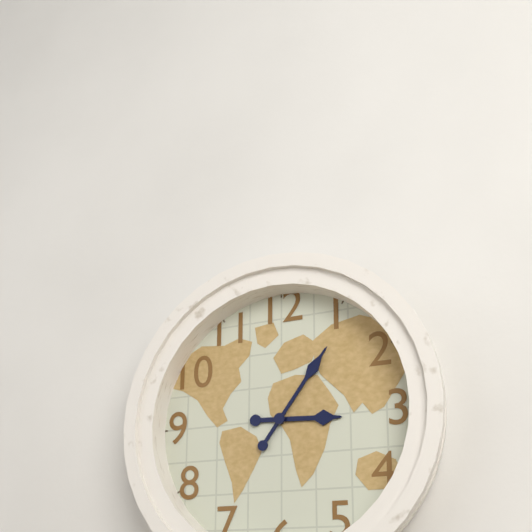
3:06
